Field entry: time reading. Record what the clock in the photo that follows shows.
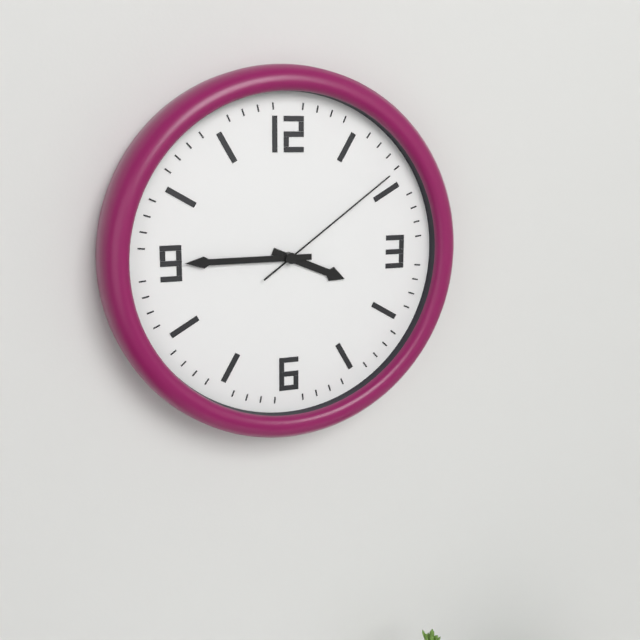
3:45:09
